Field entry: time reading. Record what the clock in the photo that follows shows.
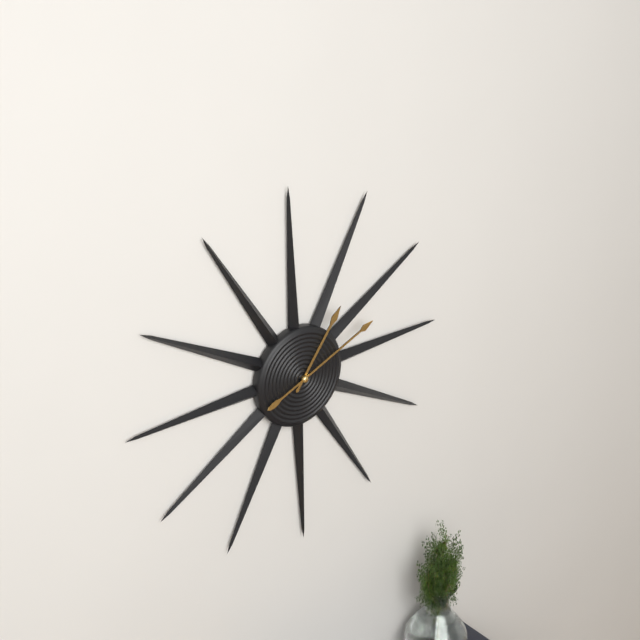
1:11
